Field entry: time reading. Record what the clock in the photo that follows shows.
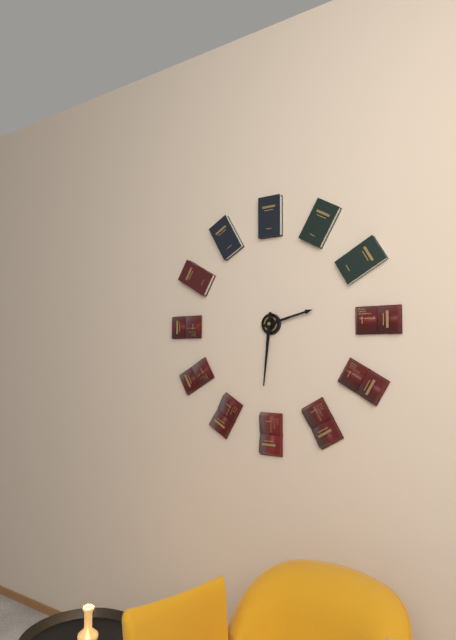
2:31
